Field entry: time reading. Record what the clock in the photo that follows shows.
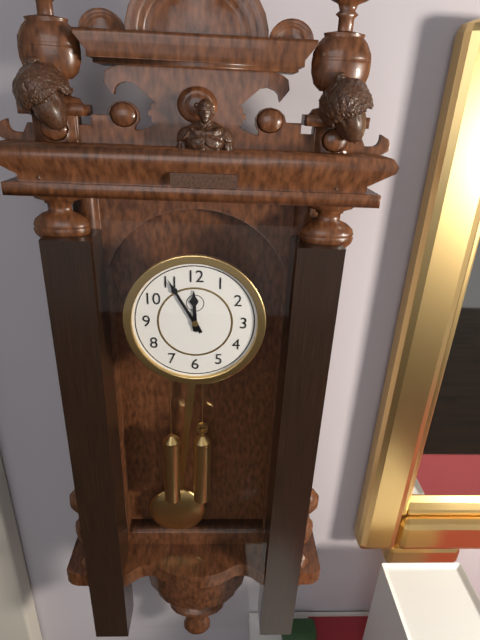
11:55
